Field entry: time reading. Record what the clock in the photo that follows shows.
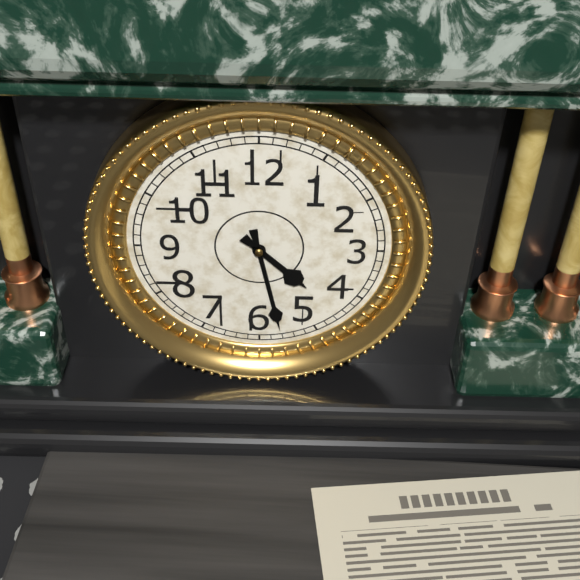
4:28
